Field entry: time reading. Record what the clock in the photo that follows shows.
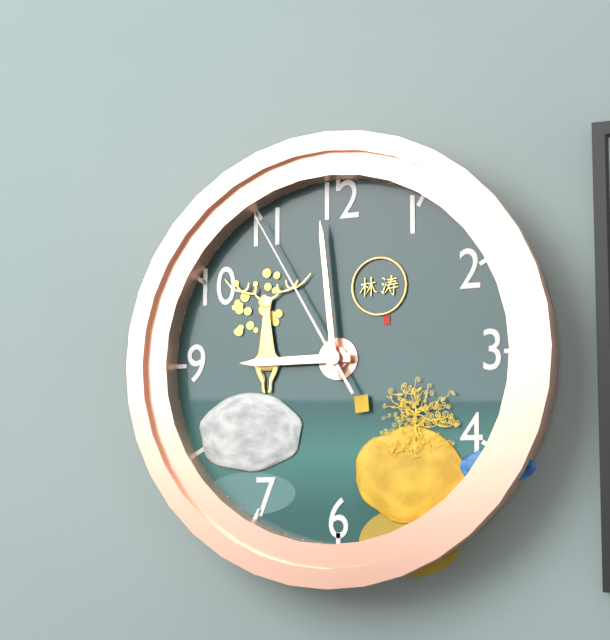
8:59:55
